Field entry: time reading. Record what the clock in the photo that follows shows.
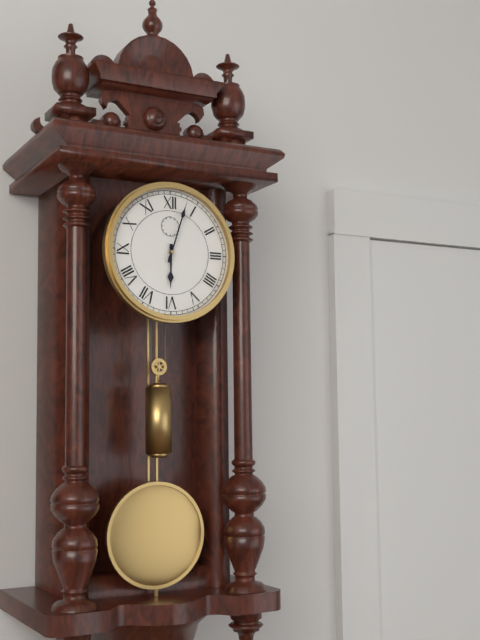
6:03
